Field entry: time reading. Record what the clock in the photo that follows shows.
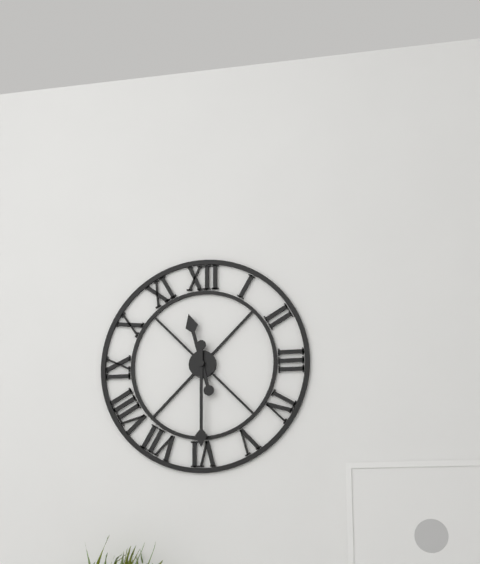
11:30
